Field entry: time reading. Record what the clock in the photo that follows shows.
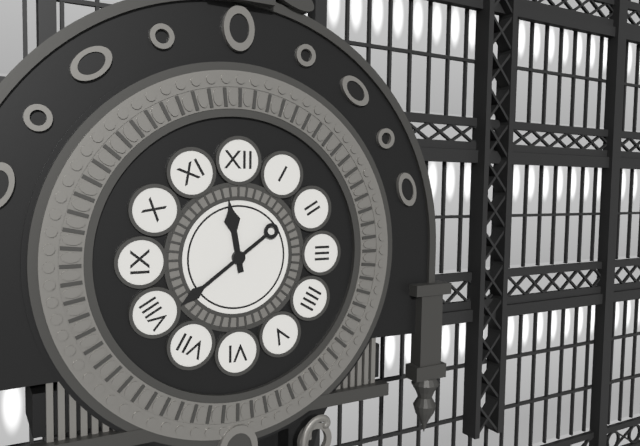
11:39
